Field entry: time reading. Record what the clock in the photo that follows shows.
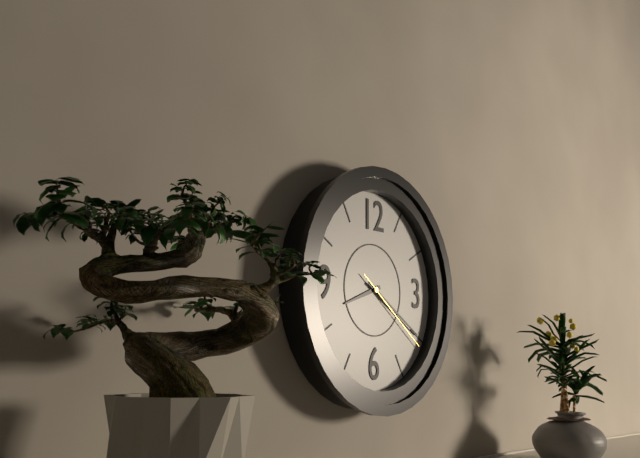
8:20:21
